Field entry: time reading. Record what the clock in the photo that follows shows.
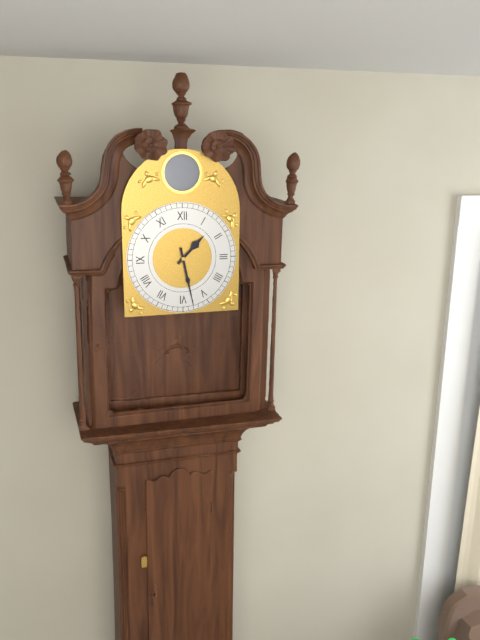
1:28
